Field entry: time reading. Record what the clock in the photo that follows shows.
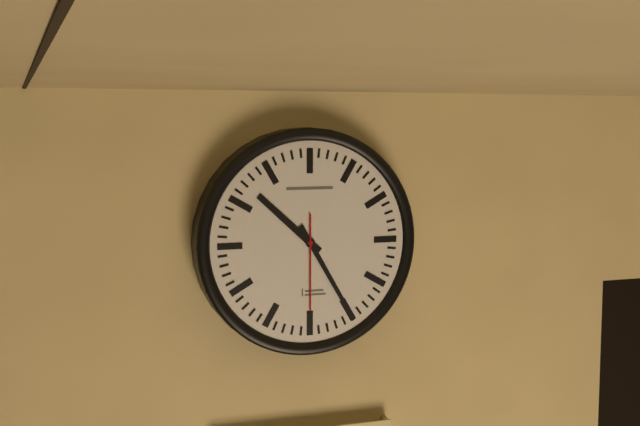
10:25:30
